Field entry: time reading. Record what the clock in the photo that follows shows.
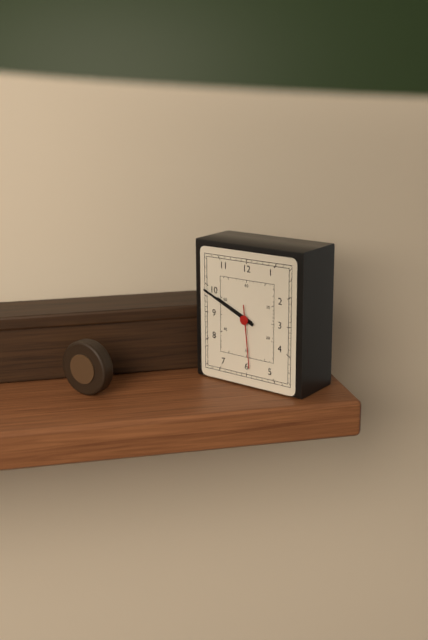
9:49:29
